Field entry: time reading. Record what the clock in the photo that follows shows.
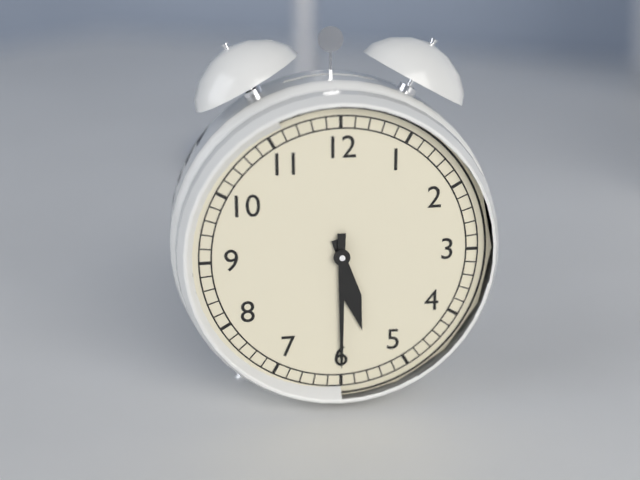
5:30
